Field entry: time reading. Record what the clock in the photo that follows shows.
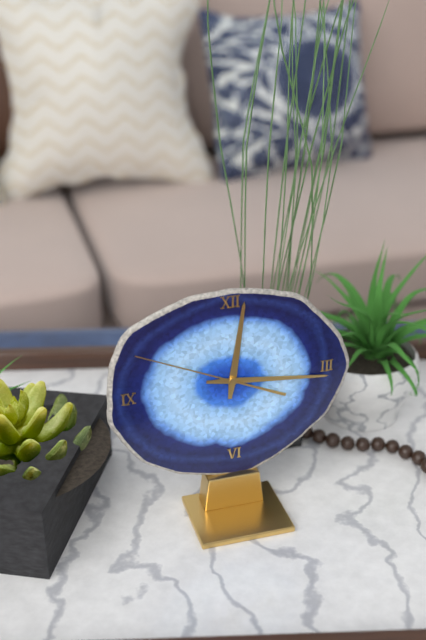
12:16:49
